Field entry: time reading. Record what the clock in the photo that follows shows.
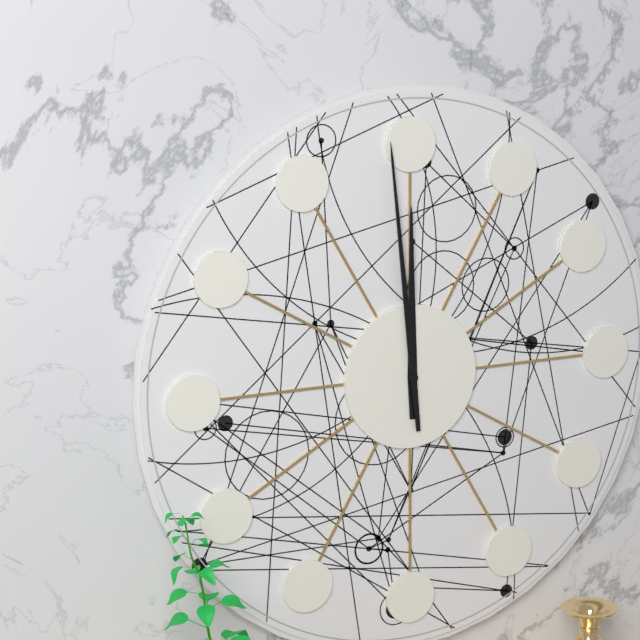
11:59
